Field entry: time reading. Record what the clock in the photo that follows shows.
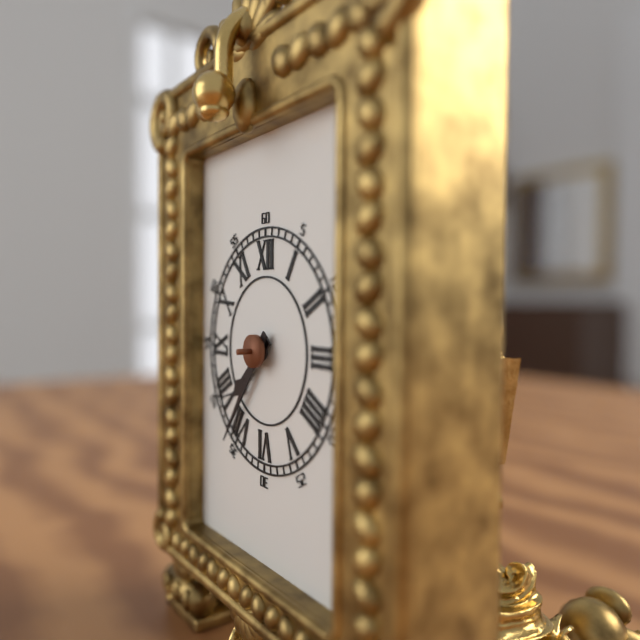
7:36
